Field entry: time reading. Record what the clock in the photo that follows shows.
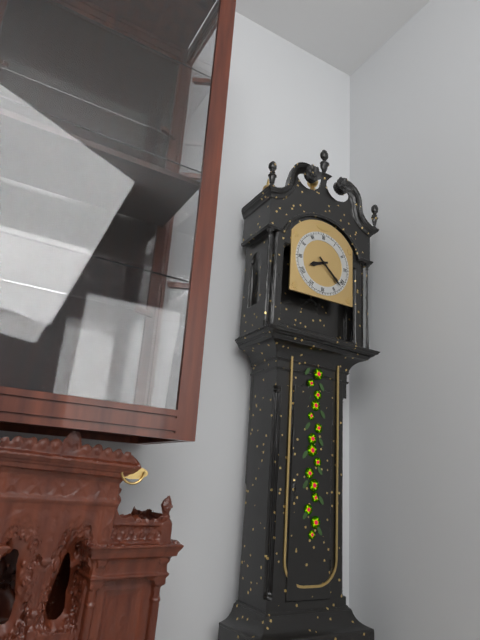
8:22
